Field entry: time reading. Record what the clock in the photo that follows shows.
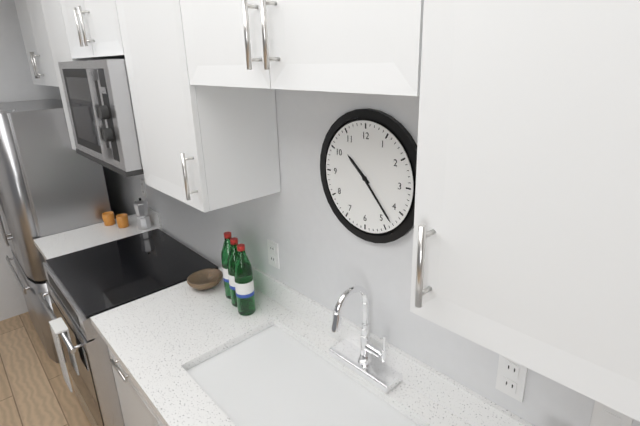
10:23
